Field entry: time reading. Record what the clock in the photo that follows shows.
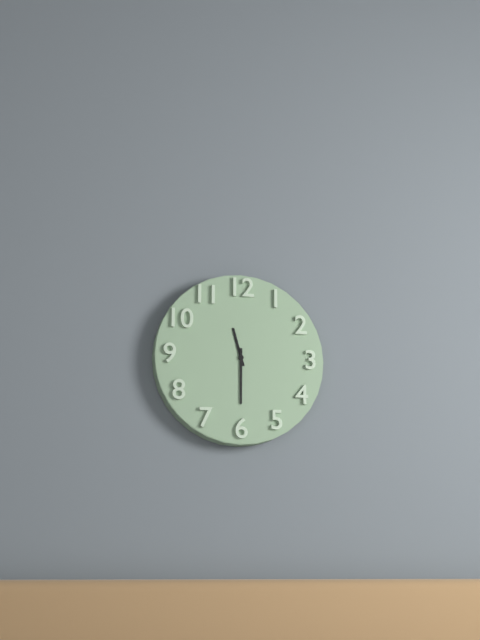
11:30
